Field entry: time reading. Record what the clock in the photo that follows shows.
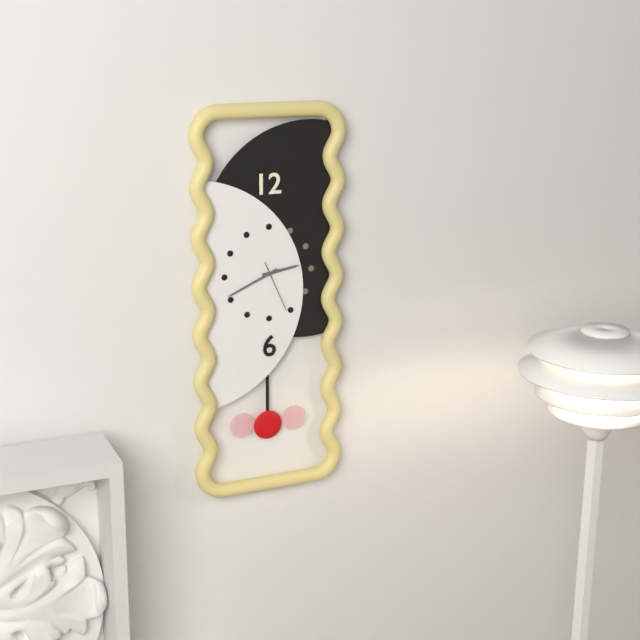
2:41:26
